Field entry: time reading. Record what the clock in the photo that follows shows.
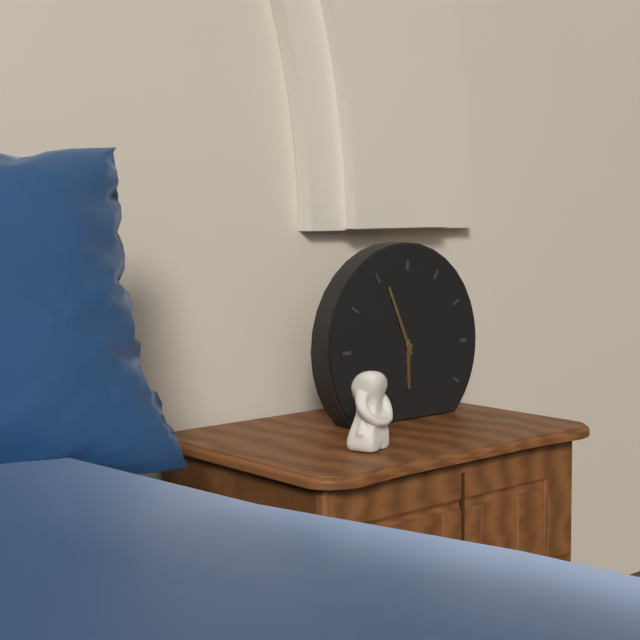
5:56
